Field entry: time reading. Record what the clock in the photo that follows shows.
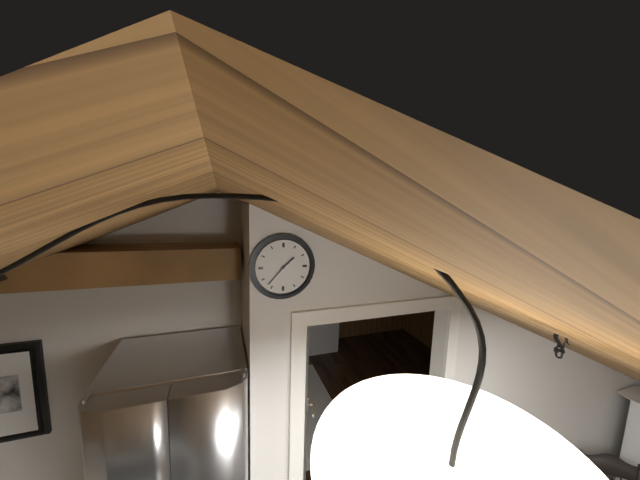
1:37
